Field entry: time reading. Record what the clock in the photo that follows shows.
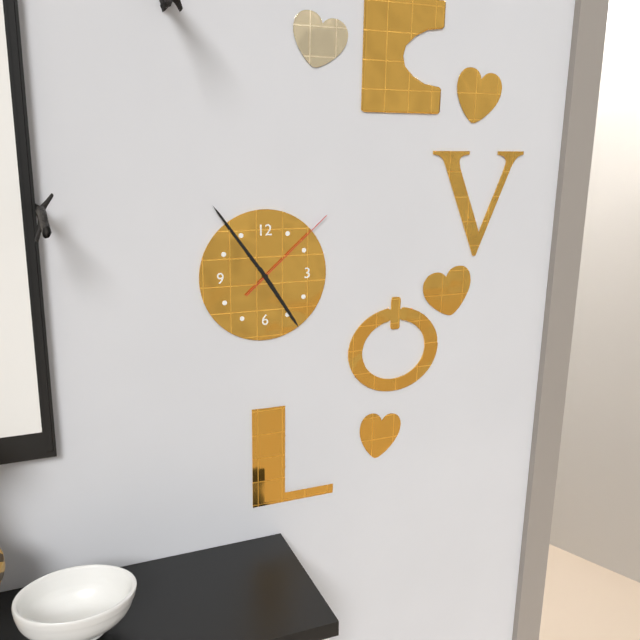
4:54:08
